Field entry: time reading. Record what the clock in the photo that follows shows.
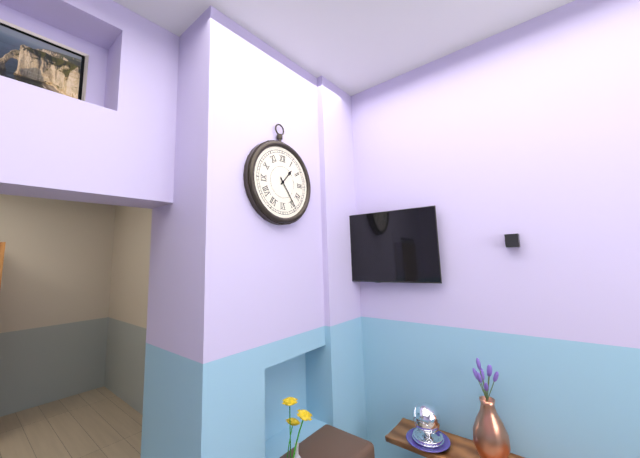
1:24
